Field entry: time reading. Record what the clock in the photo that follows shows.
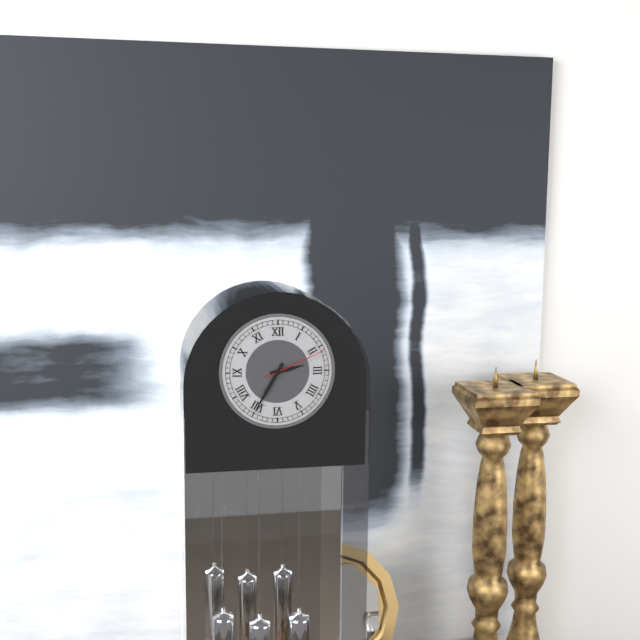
2:35:11
